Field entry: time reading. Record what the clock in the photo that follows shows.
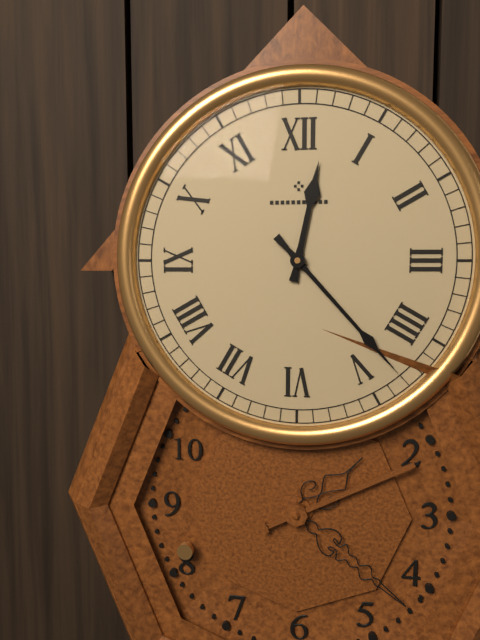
12:23
